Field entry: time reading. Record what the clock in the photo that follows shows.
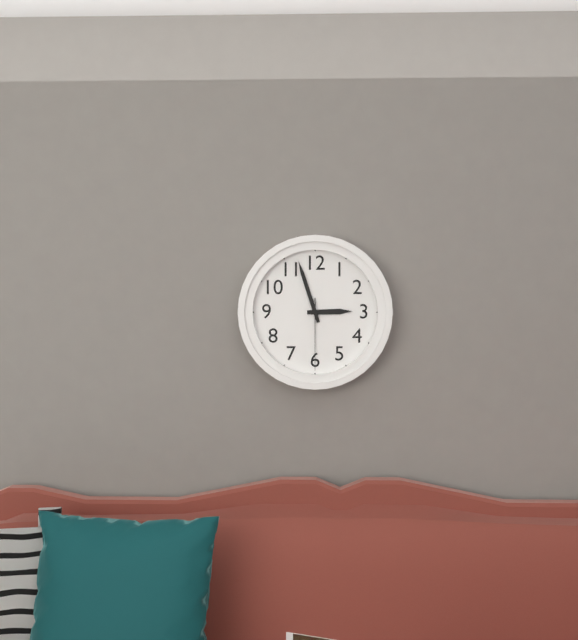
2:57:30
